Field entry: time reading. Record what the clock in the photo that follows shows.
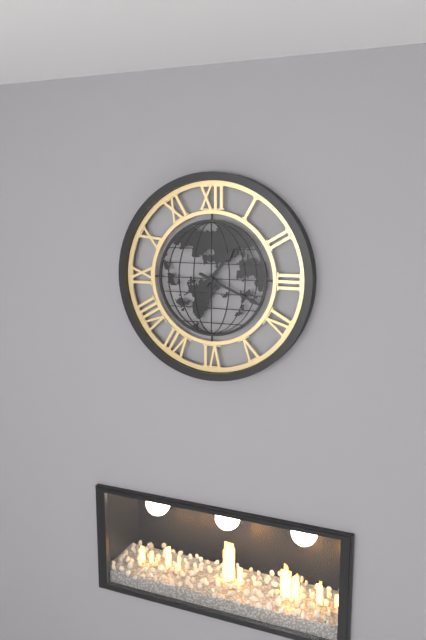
1:19
